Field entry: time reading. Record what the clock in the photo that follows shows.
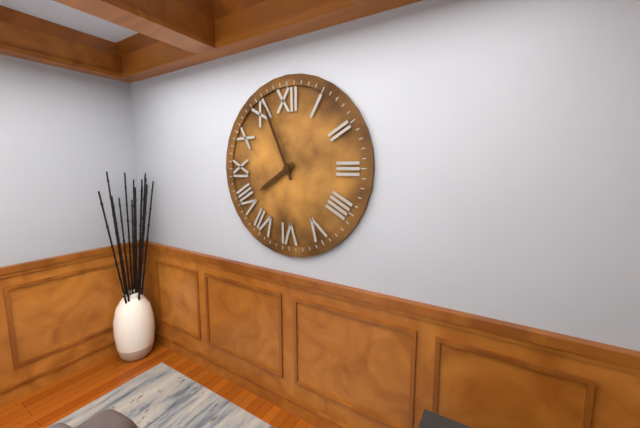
7:56
